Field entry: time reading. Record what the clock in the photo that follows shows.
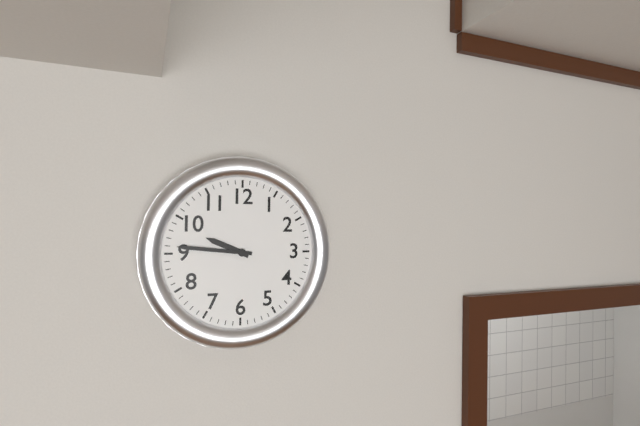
9:46
